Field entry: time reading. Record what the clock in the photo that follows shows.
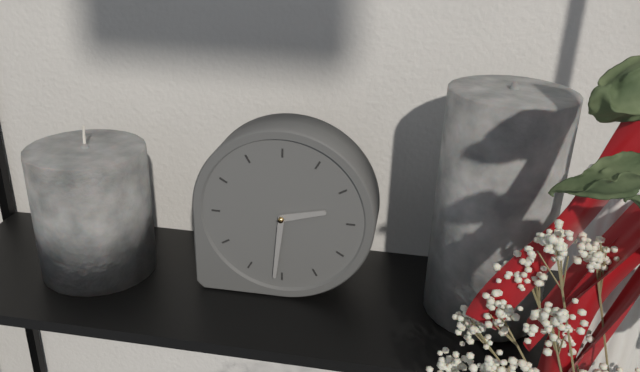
2:31
